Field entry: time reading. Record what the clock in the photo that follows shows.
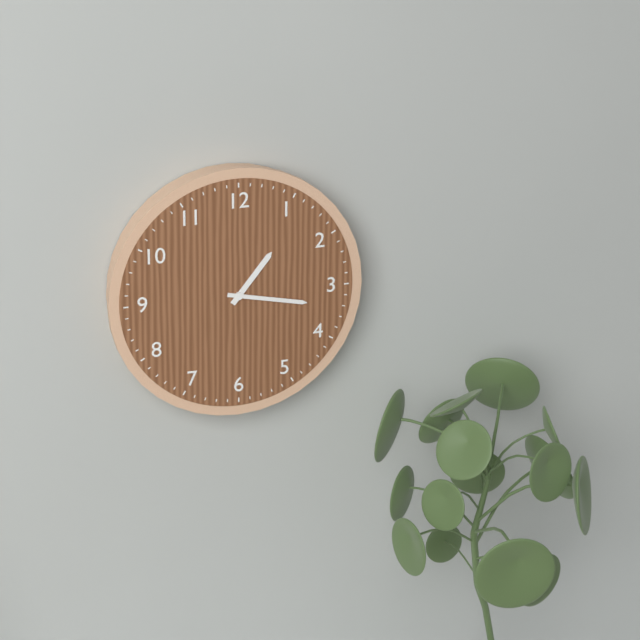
1:17
